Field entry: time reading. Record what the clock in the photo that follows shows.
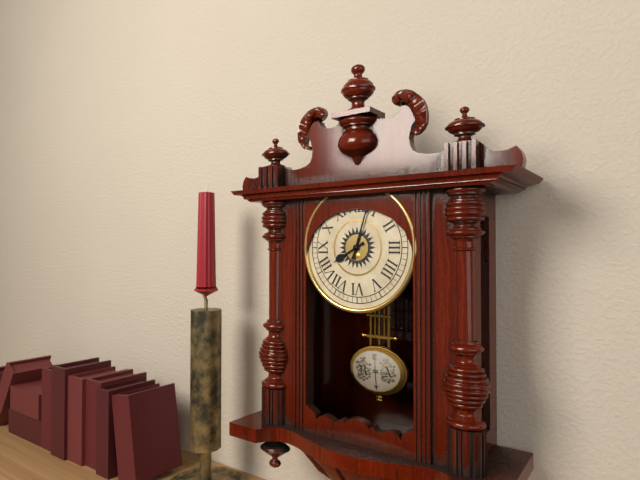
8:03
